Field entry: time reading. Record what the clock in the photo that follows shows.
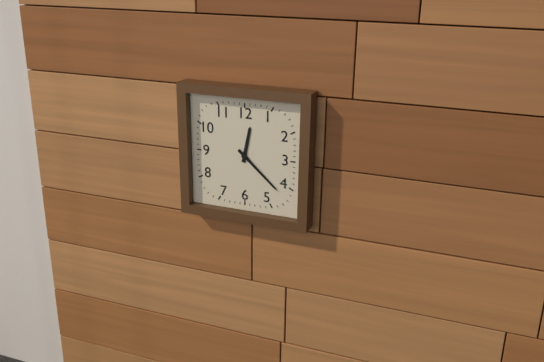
12:22
